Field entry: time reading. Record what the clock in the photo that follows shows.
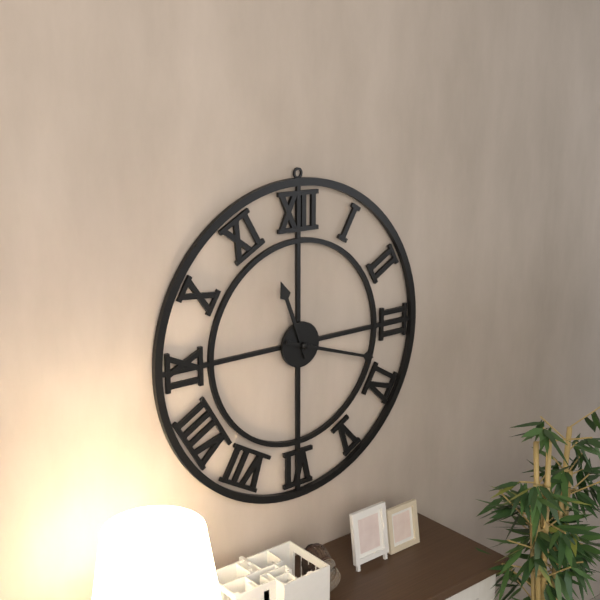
11:18
